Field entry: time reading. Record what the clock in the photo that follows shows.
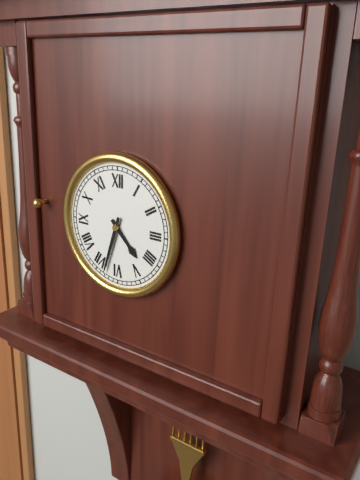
4:33
